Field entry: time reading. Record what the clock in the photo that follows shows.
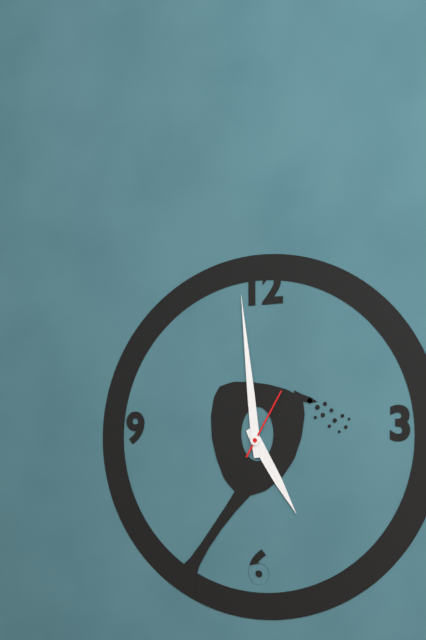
4:59:05
